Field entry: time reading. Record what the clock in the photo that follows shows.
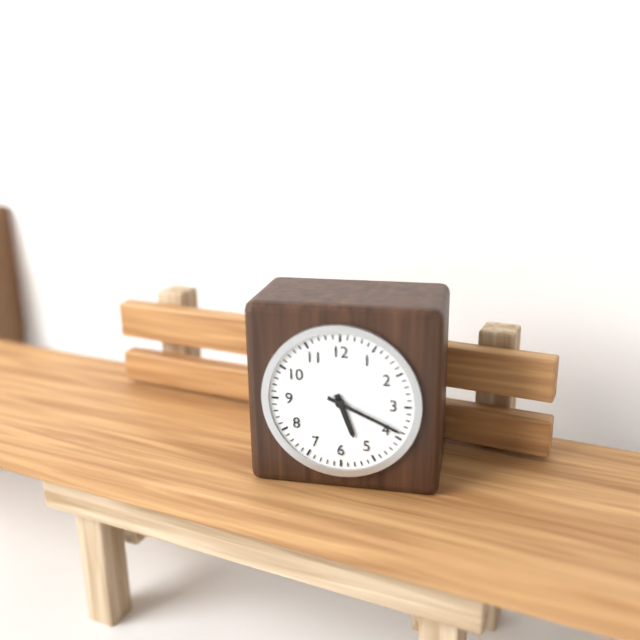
5:19
